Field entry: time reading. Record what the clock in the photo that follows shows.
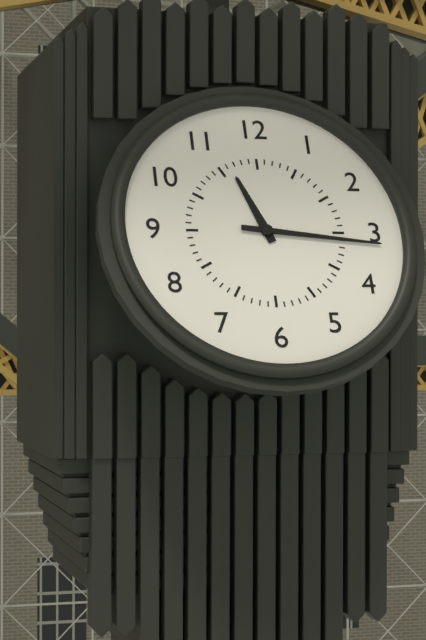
11:16
